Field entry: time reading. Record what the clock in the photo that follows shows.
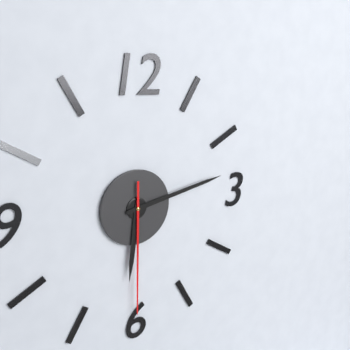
6:13:30
